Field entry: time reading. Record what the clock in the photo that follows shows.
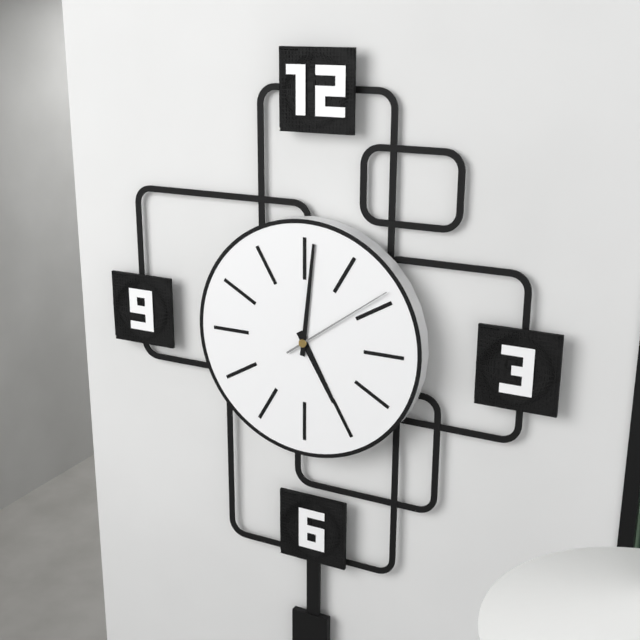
5:01:09
